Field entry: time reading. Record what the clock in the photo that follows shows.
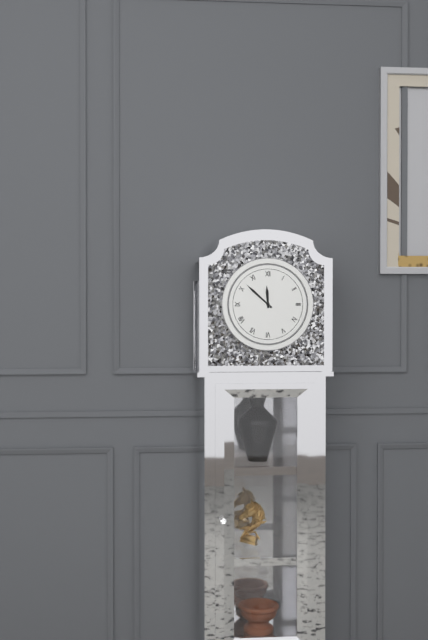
11:52
